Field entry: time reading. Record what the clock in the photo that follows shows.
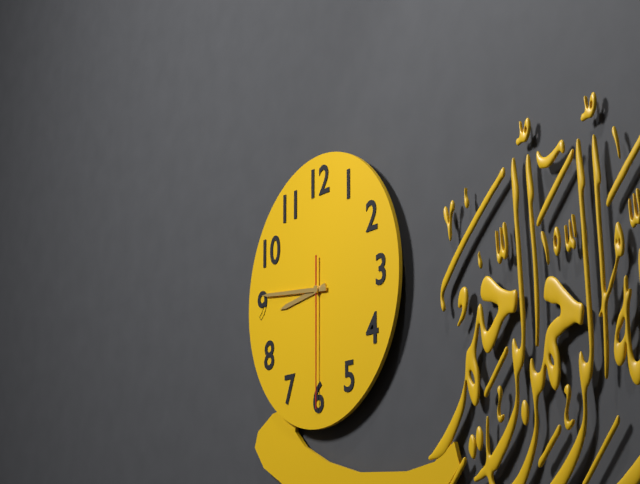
8:46:30
